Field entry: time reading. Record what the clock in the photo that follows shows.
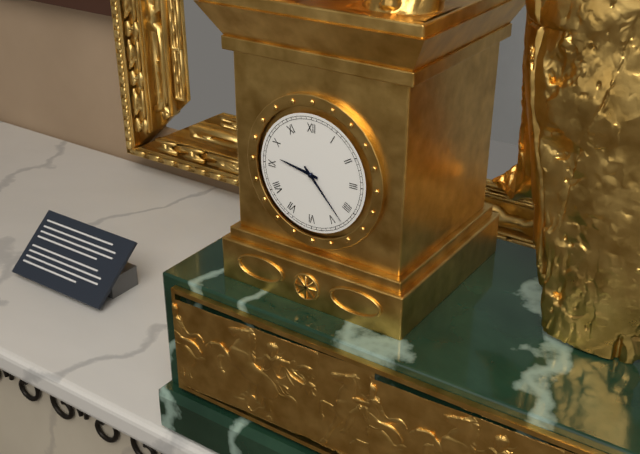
9:23
